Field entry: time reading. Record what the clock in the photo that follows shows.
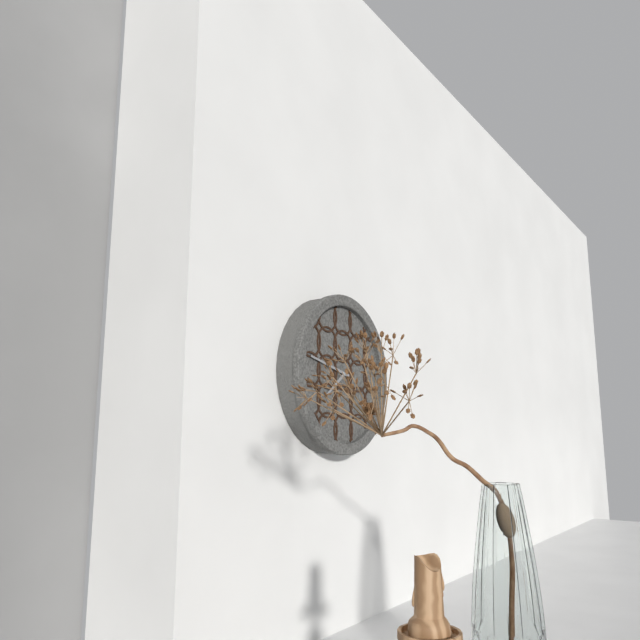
7:47
